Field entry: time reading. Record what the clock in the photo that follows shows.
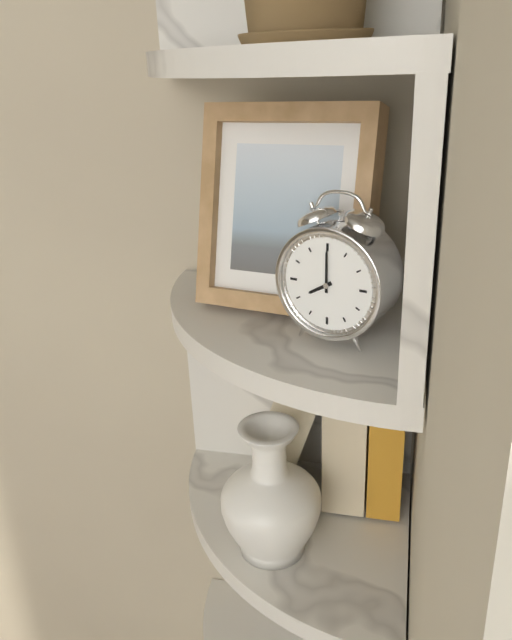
8:00
